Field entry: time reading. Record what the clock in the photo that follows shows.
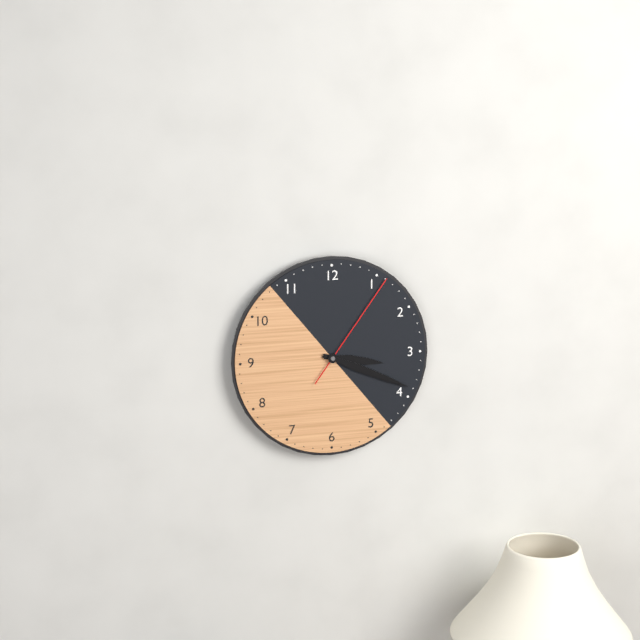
3:19:06
